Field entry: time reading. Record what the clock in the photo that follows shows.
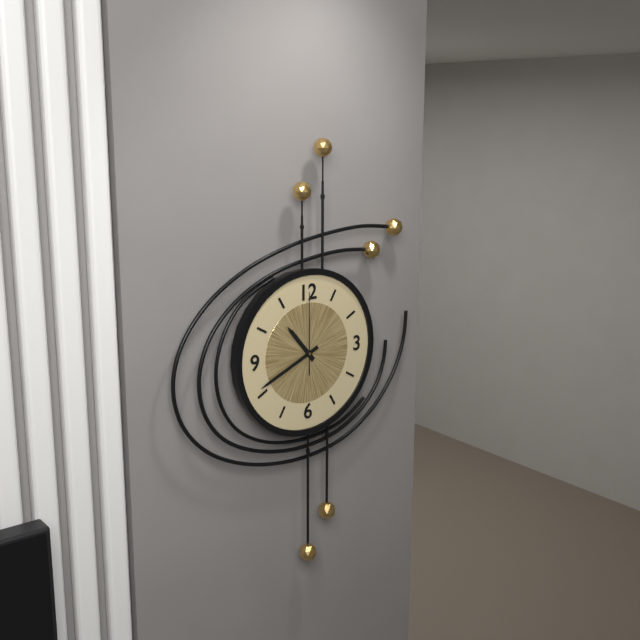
10:41:00
